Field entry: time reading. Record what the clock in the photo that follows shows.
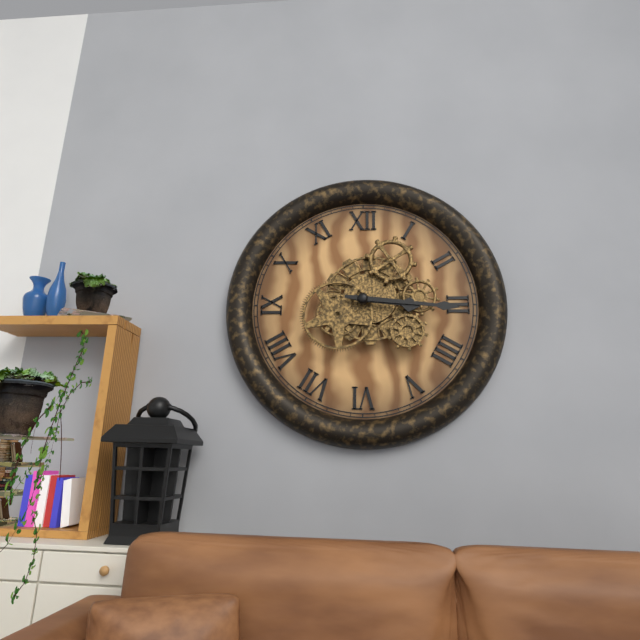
3:16
